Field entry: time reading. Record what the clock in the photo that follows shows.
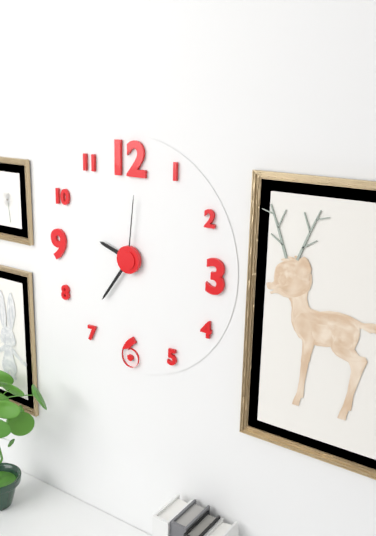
9:36:01
